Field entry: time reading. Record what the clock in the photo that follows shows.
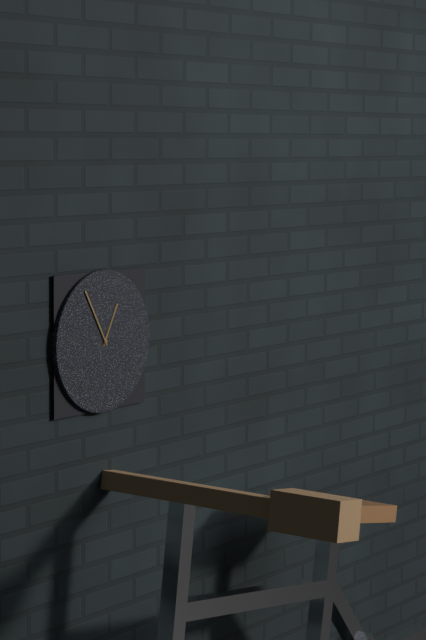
12:55
